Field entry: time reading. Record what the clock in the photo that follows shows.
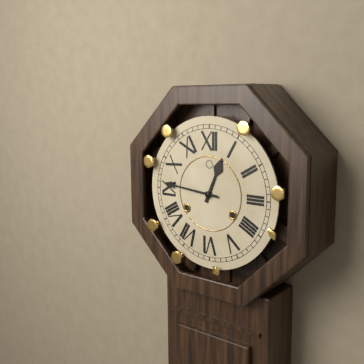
12:46
